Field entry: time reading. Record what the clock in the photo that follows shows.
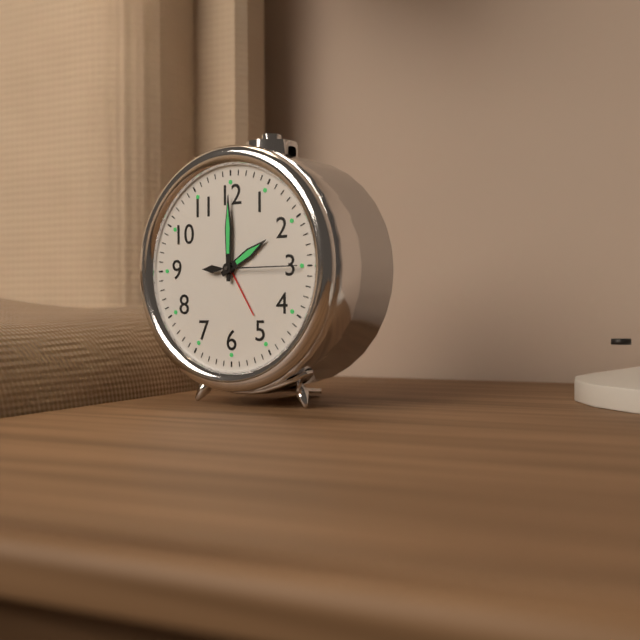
2:00:15
